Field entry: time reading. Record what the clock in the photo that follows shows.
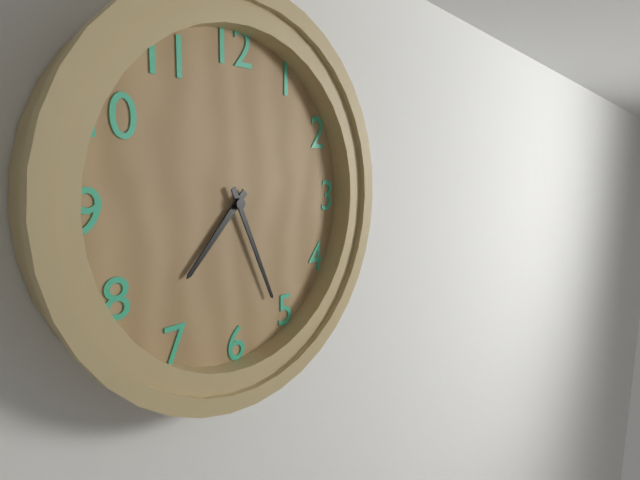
7:26
